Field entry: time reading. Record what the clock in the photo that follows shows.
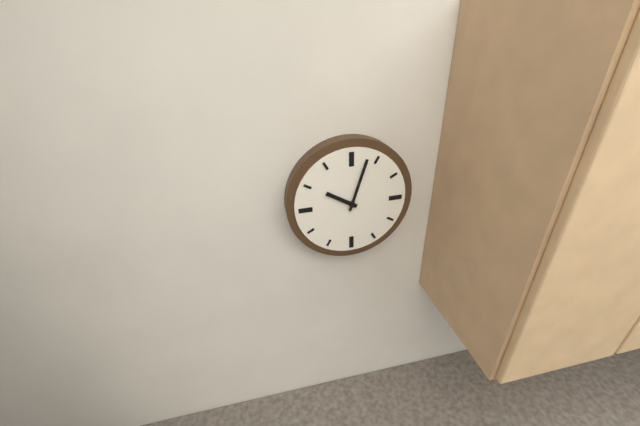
10:03
